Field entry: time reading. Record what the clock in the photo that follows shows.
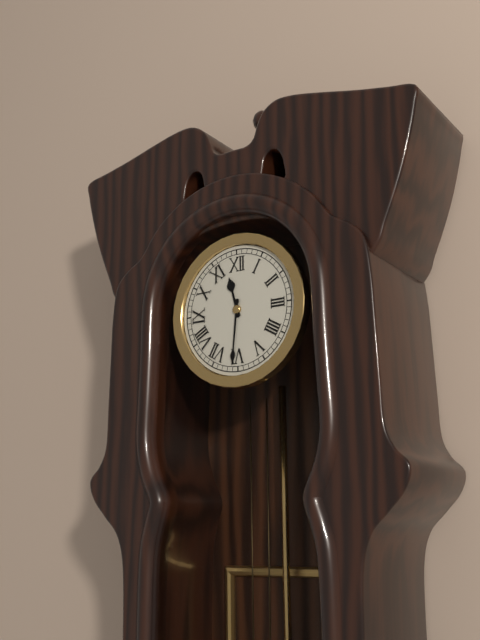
11:31
